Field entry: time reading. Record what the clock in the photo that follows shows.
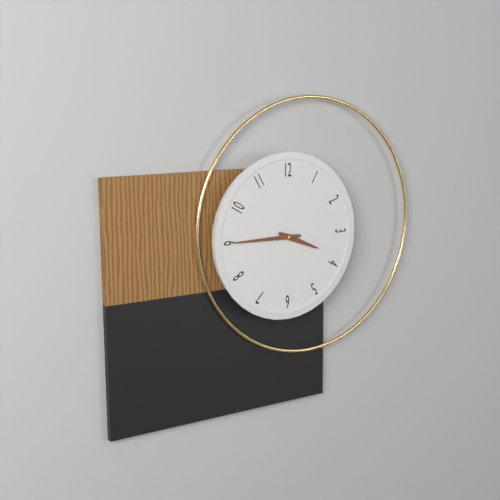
3:45
